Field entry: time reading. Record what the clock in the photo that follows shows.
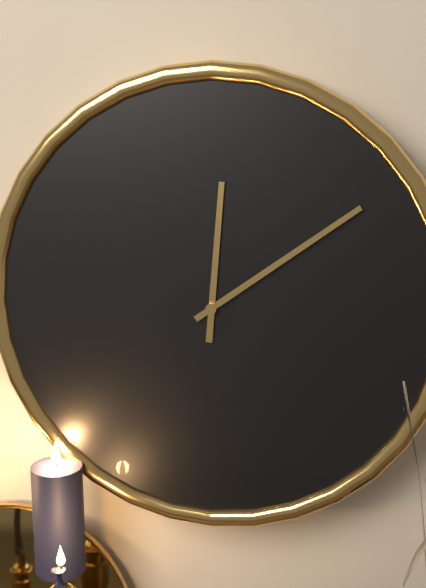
12:09
